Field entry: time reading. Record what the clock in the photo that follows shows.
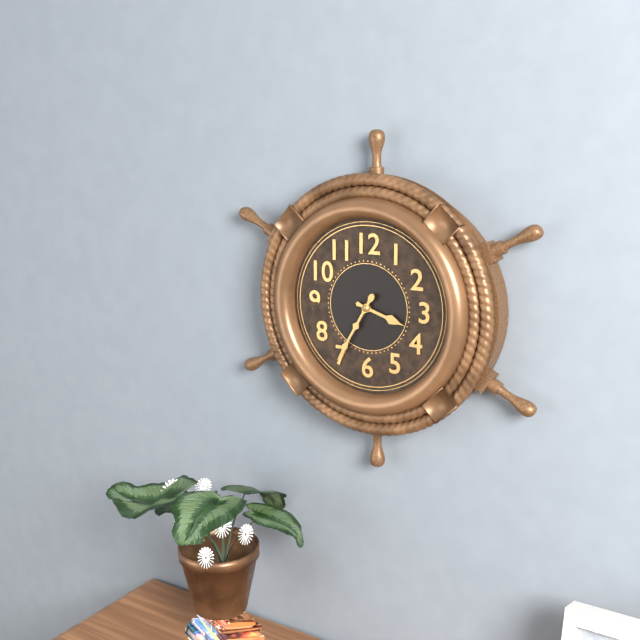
3:35
